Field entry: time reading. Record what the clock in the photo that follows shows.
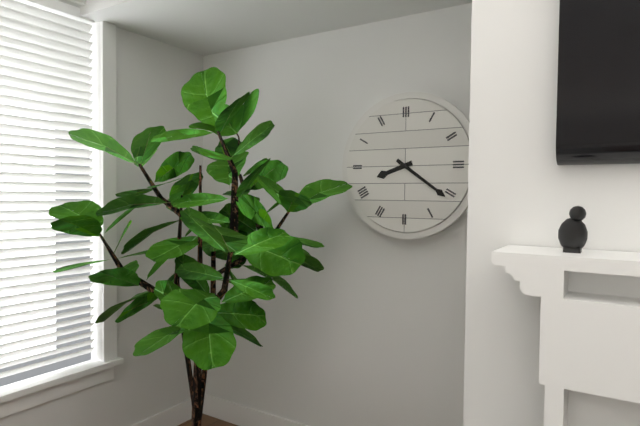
8:21
